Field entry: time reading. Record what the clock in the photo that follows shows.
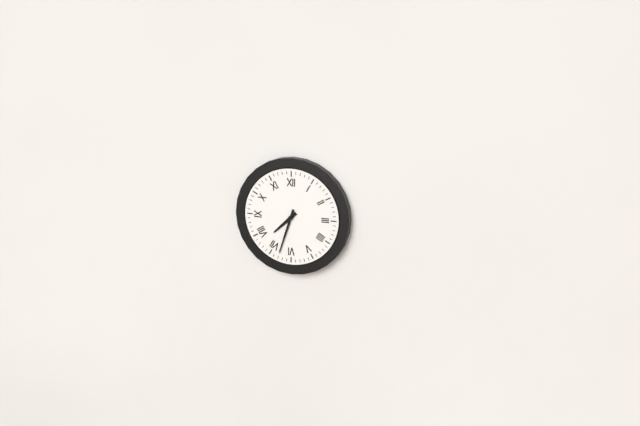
7:33
